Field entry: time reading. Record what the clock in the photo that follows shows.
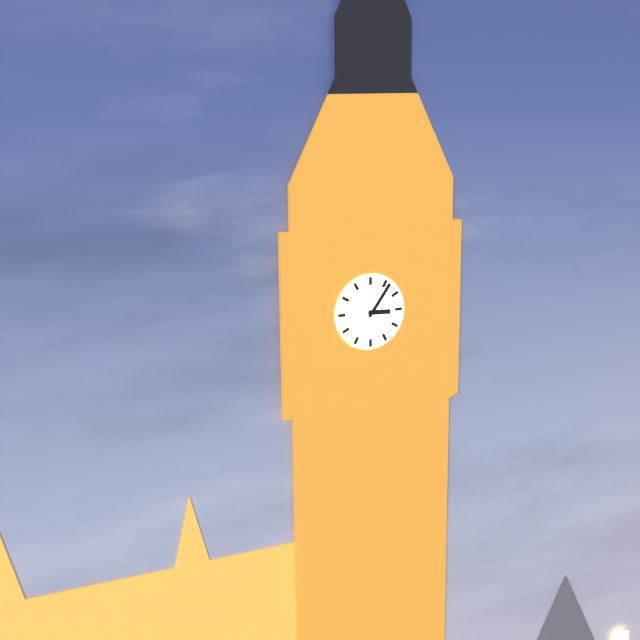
3:06
